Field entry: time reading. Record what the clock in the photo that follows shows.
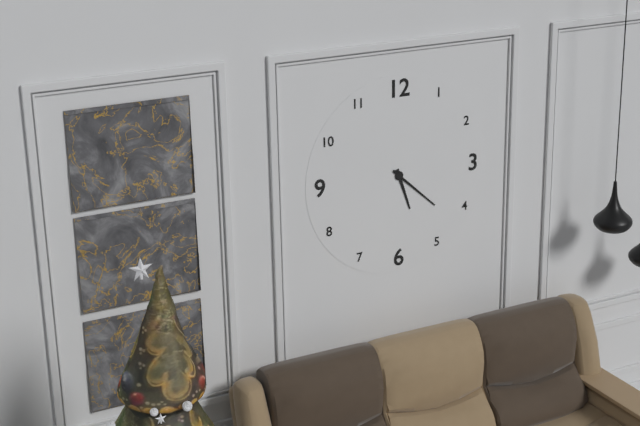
5:22
